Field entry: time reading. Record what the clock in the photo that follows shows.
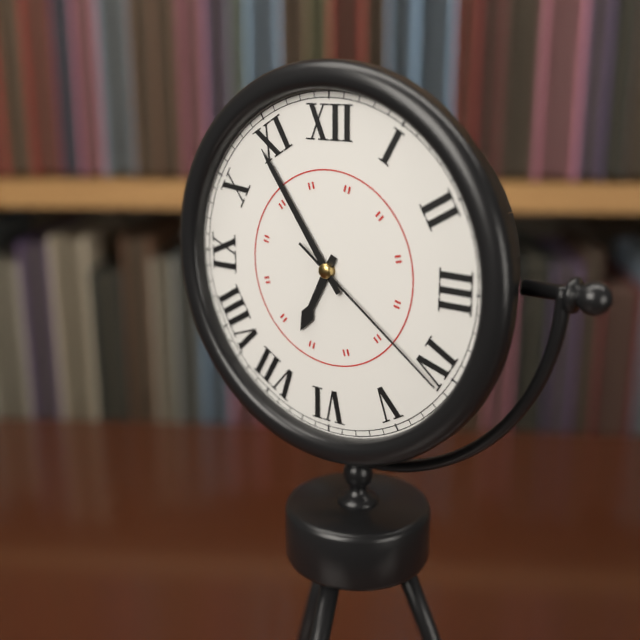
6:54:21
